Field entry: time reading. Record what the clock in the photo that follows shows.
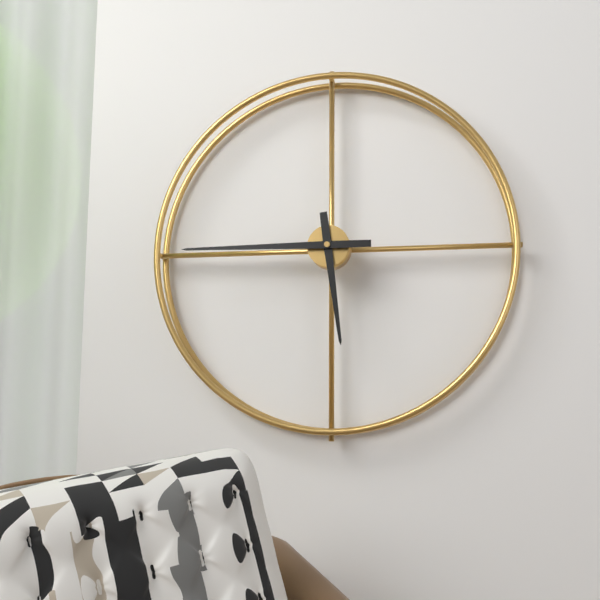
5:45
